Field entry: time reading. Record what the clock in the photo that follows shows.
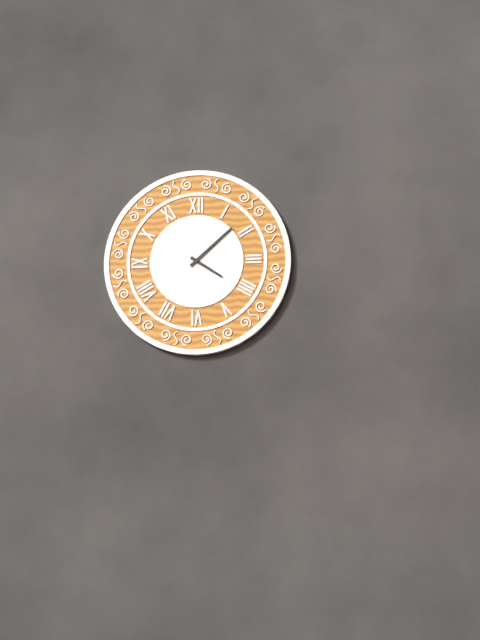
4:08
